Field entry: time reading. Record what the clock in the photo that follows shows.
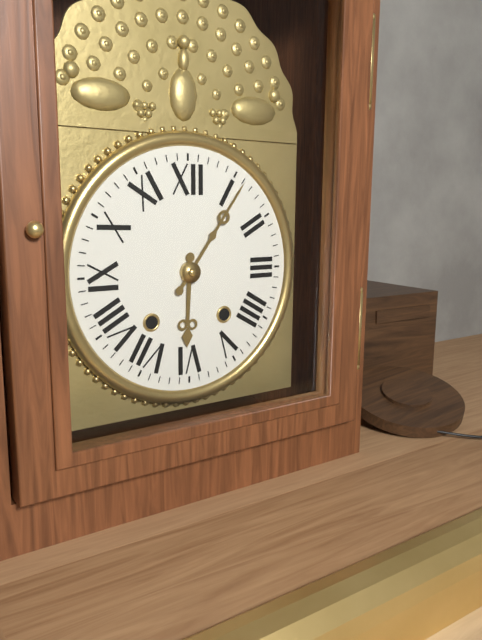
6:06
